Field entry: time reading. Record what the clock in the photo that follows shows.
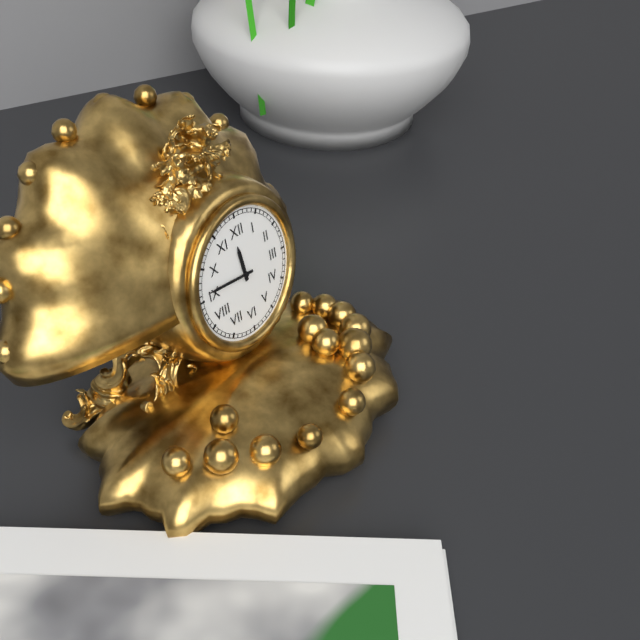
11:46
